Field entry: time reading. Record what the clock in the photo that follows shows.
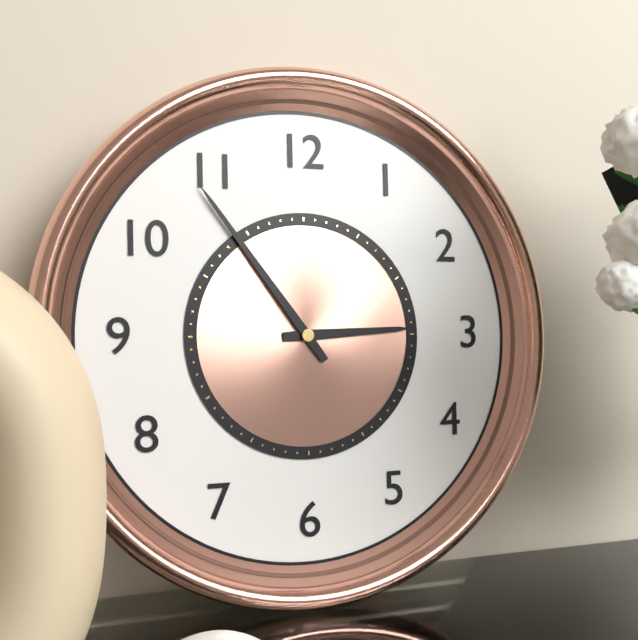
2:54
